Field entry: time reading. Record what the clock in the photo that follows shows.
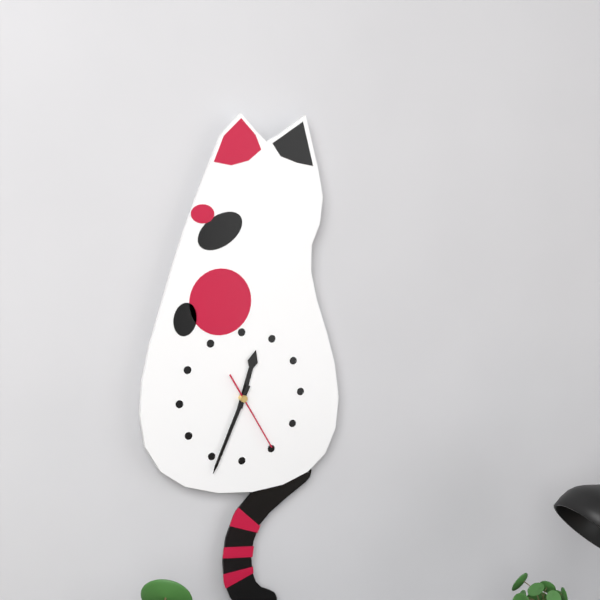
12:34:25
